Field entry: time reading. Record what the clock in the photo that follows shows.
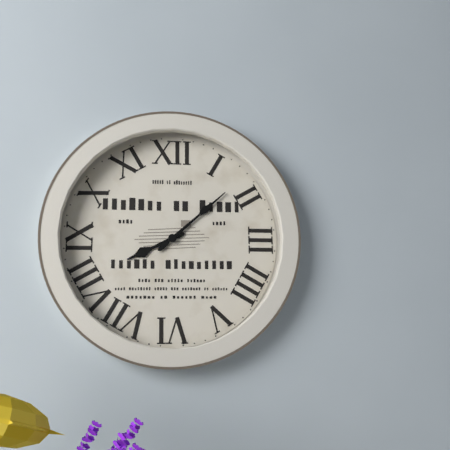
8:08
